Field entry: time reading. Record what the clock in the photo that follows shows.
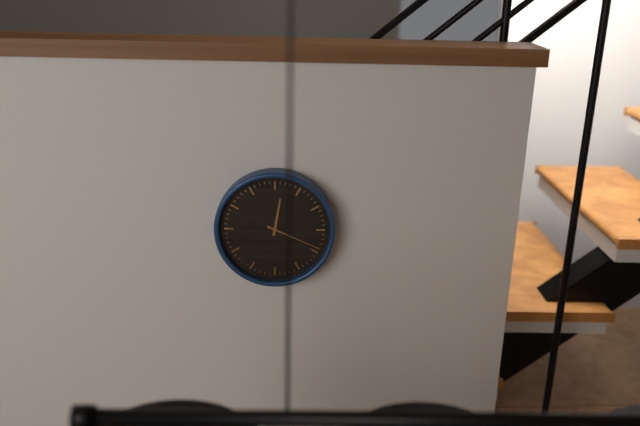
12:19
